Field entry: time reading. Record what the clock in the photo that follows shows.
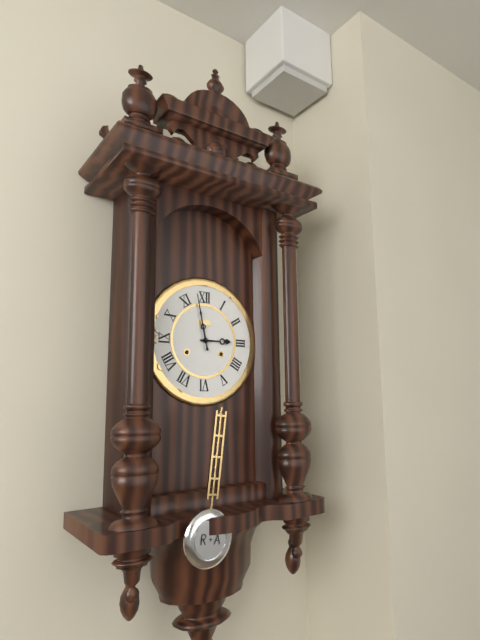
2:58
